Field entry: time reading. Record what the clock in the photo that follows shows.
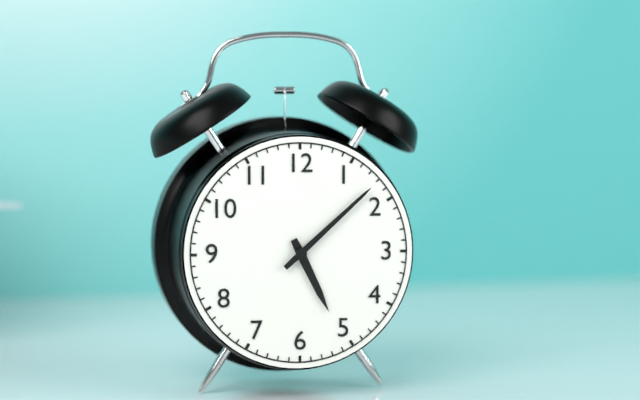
5:08
